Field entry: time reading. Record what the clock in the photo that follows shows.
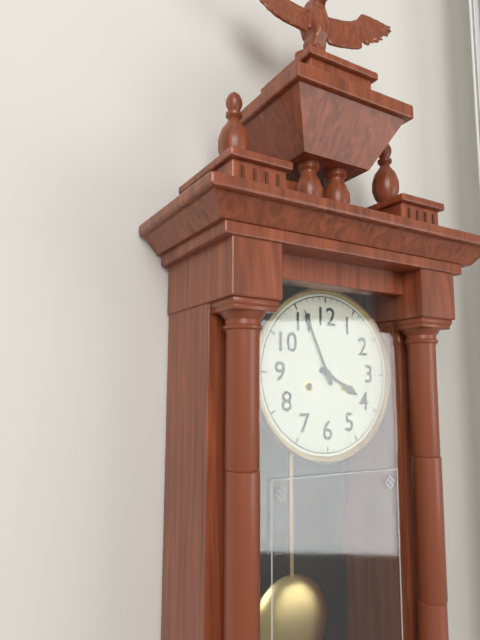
3:56
